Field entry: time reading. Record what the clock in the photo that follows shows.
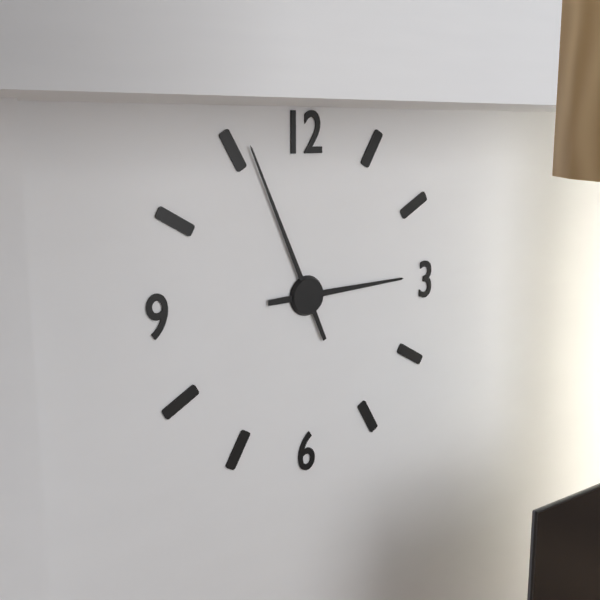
2:56
